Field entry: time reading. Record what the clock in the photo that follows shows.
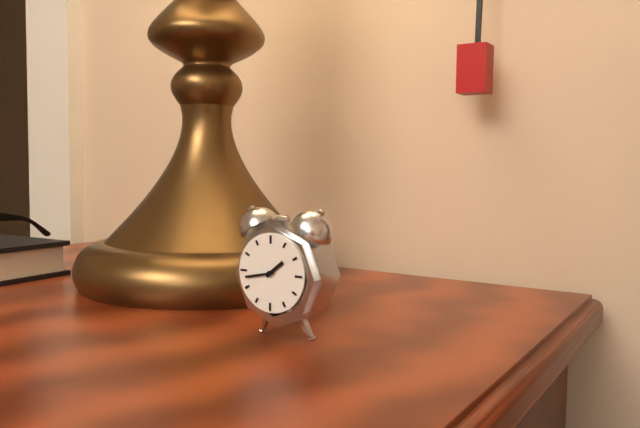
1:43
